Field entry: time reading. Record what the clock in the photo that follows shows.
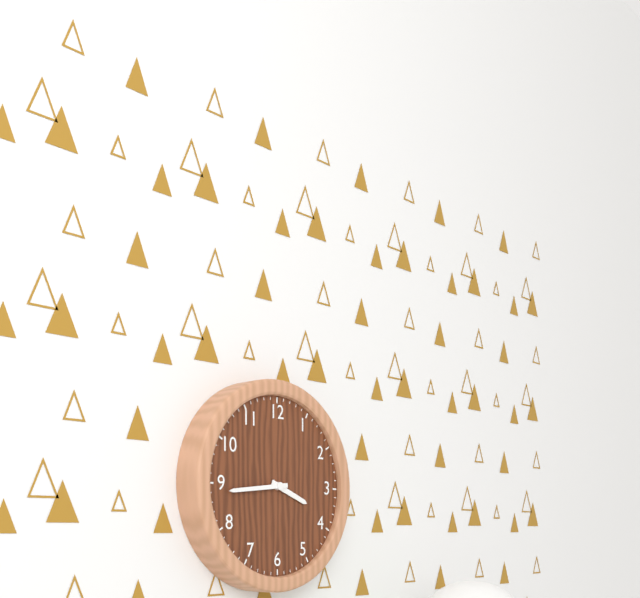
3:44
